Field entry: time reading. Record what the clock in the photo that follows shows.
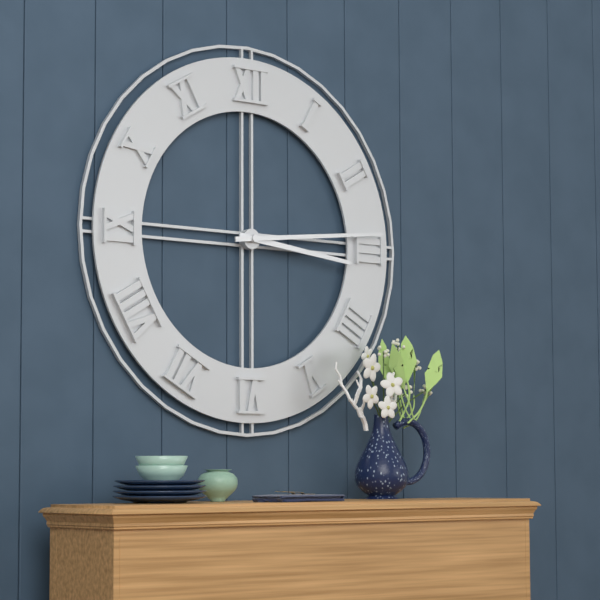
3:14
